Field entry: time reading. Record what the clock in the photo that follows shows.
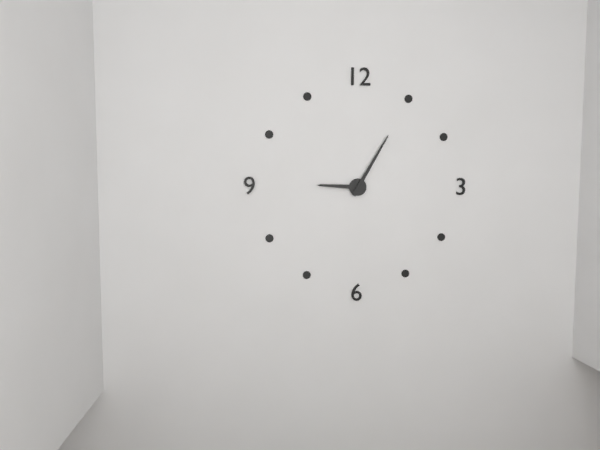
9:05
